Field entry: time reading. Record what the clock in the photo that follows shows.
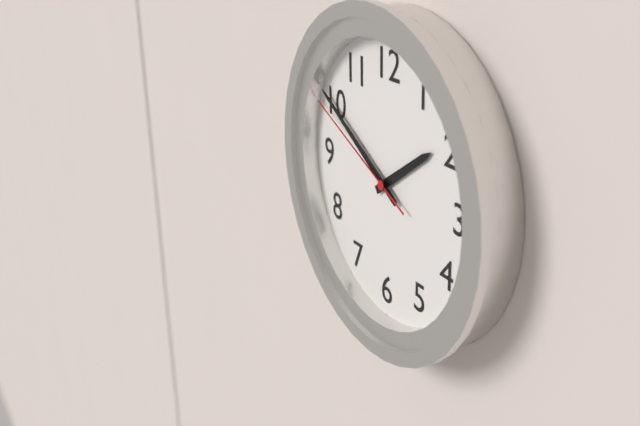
1:50:49
